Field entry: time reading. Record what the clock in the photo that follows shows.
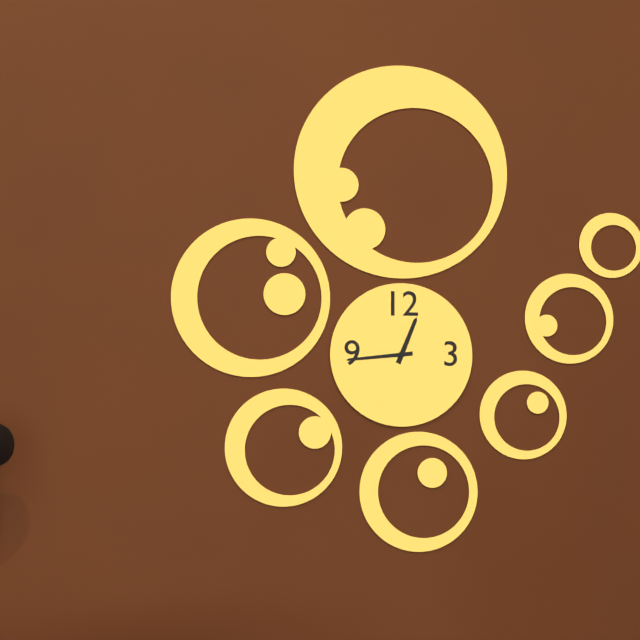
12:44
